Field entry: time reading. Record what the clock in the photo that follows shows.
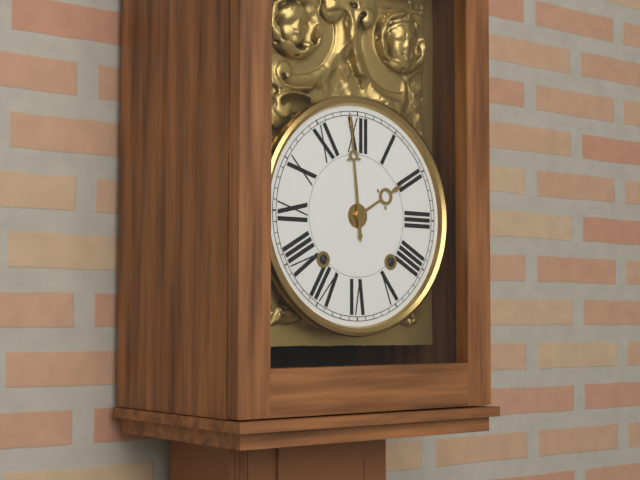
1:59
